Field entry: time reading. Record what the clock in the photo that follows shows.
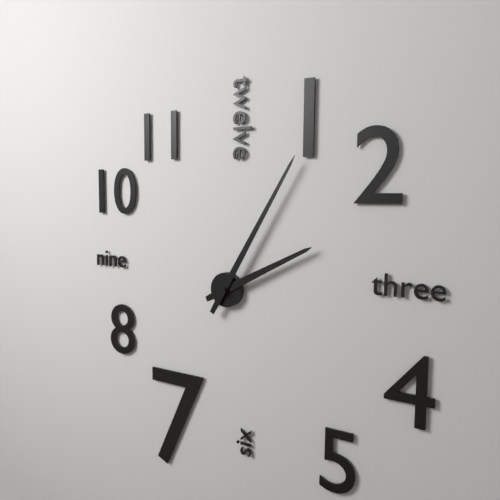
2:05
